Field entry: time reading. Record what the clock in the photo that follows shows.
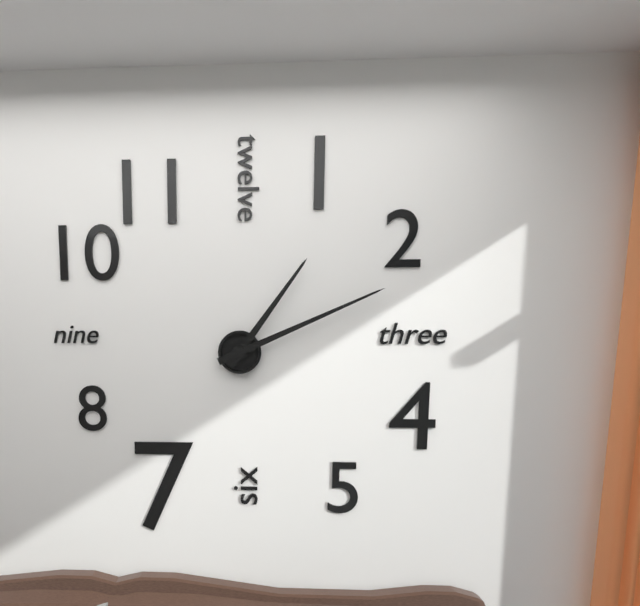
1:11
